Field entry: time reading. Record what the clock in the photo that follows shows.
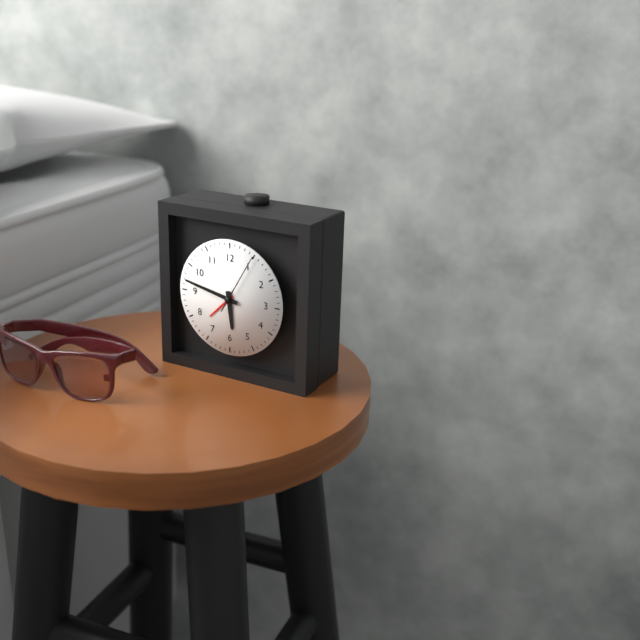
5:47:05
